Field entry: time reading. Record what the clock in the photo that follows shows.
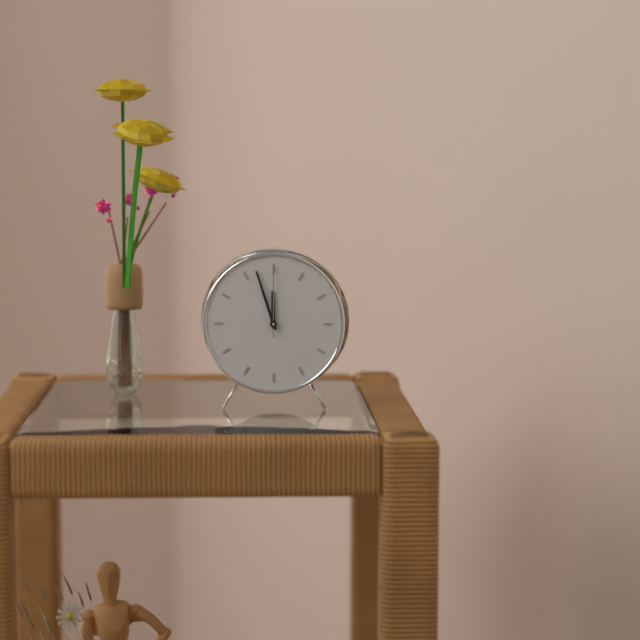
11:57:00
